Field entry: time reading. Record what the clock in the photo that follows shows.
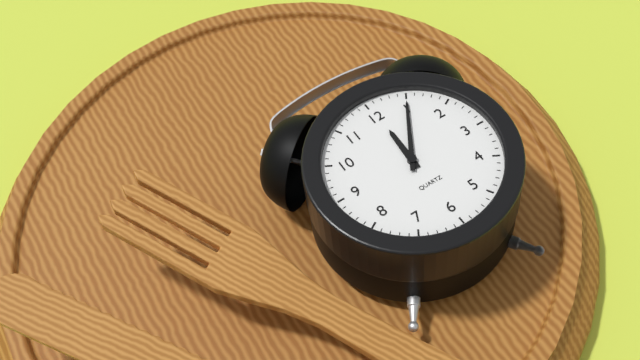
12:05
